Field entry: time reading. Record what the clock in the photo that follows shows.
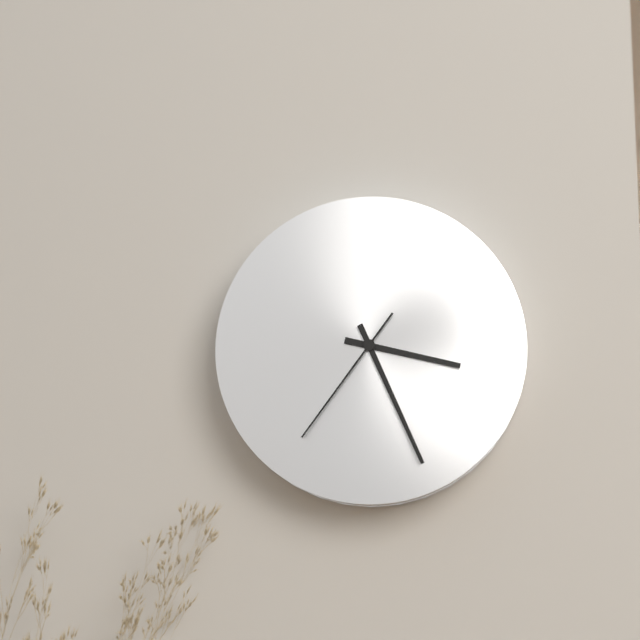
3:26:36
